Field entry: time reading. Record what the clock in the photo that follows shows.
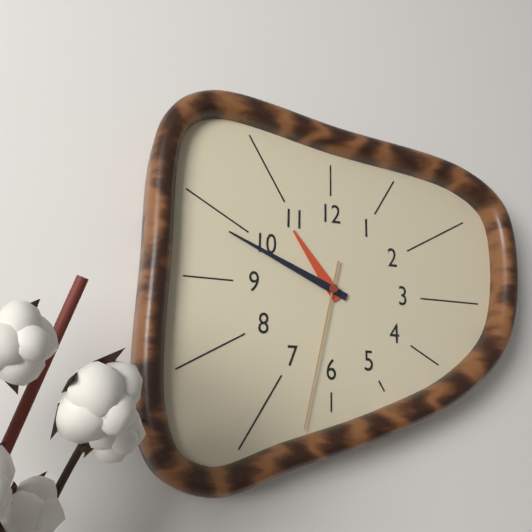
10:49:32
